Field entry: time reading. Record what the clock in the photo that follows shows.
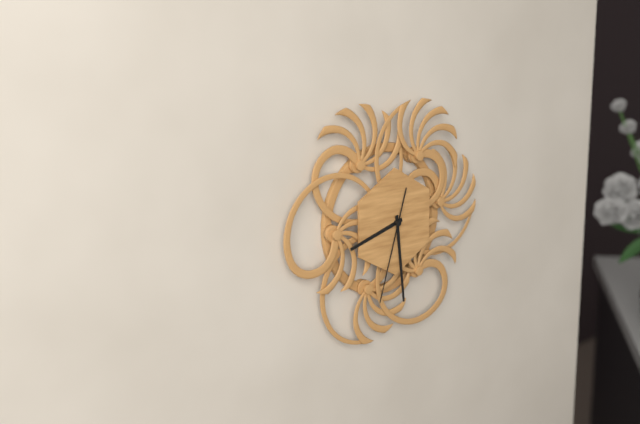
8:29:33
